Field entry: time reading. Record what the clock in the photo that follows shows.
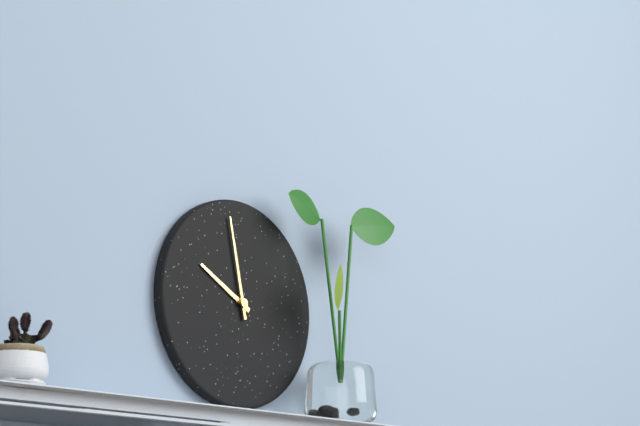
9:58
